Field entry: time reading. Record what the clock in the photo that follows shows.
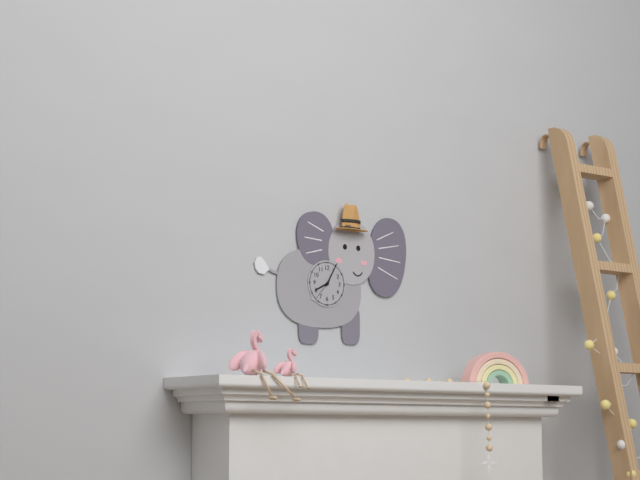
8:05
